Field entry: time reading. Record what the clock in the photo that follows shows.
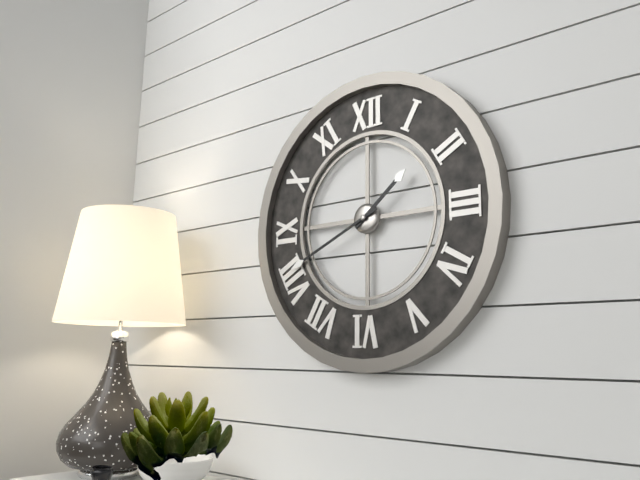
1:41
